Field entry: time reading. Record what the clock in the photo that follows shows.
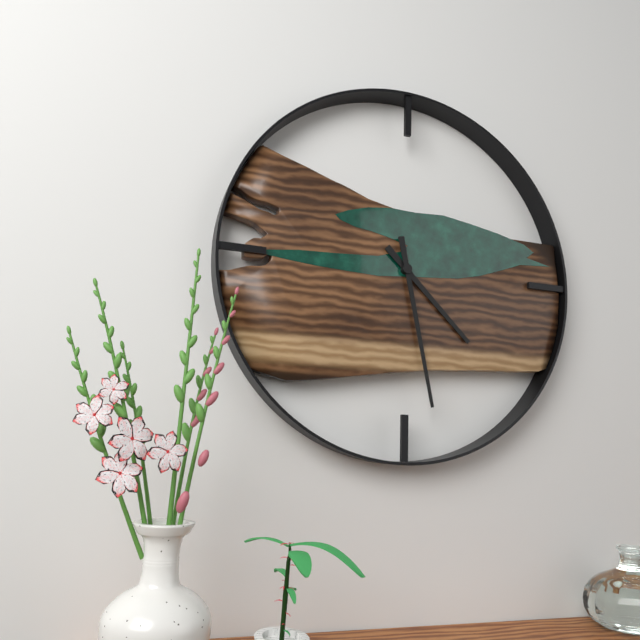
4:28
